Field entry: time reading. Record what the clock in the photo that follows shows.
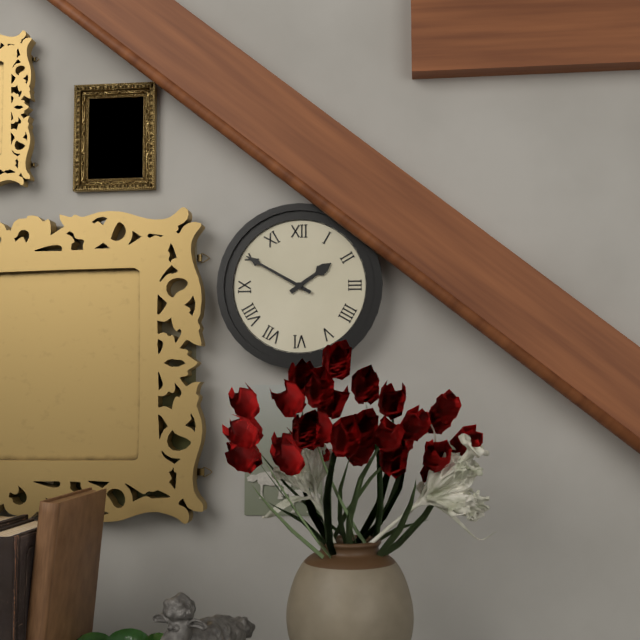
1:50
